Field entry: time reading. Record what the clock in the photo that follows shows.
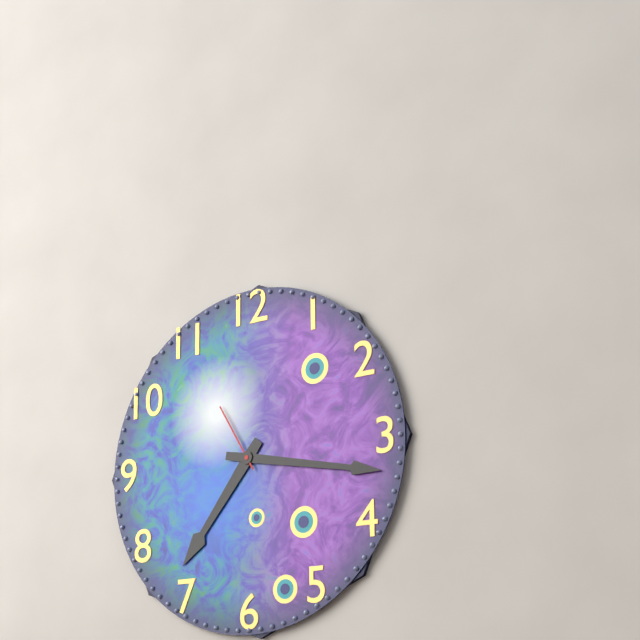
7:17:55
